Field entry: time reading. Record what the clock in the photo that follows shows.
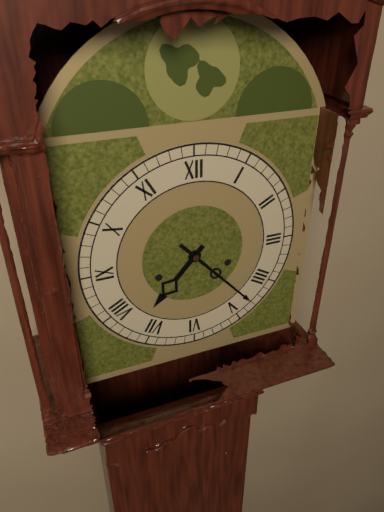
7:23
